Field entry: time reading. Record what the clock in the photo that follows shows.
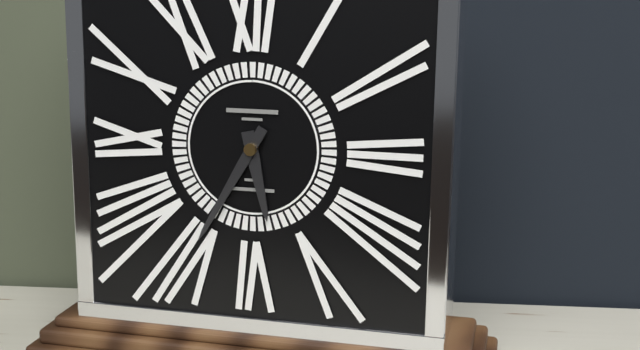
5:35
